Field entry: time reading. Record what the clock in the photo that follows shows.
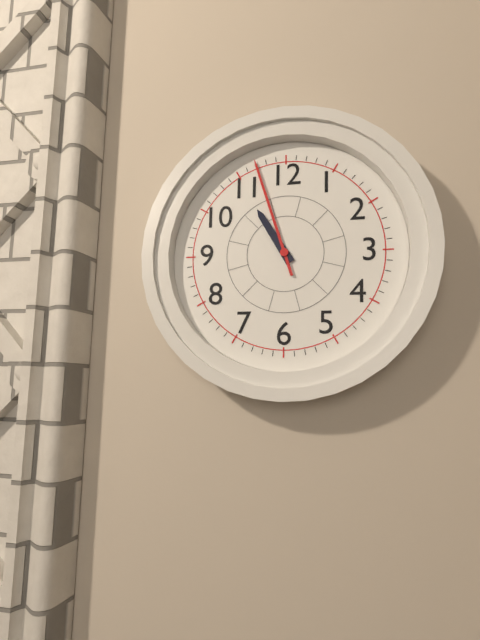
10:57
